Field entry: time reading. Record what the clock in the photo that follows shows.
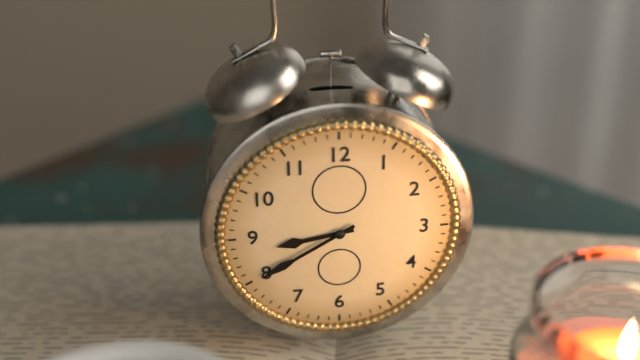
8:40
